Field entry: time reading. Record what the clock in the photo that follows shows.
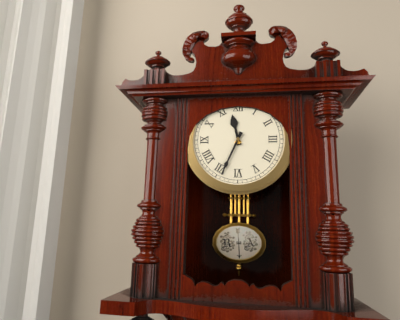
11:34
